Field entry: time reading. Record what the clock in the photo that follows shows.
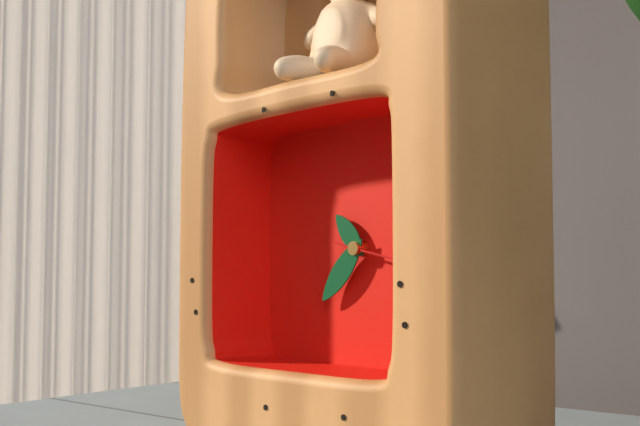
10:37
